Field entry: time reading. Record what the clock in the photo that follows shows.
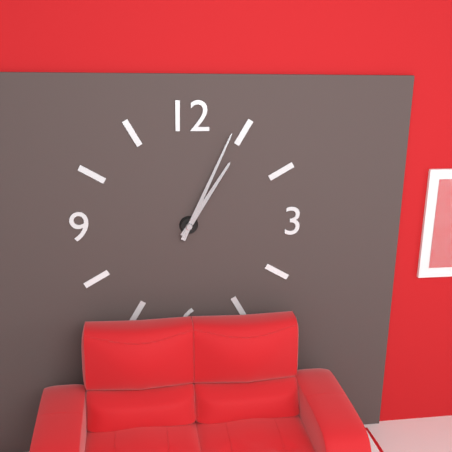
1:04
